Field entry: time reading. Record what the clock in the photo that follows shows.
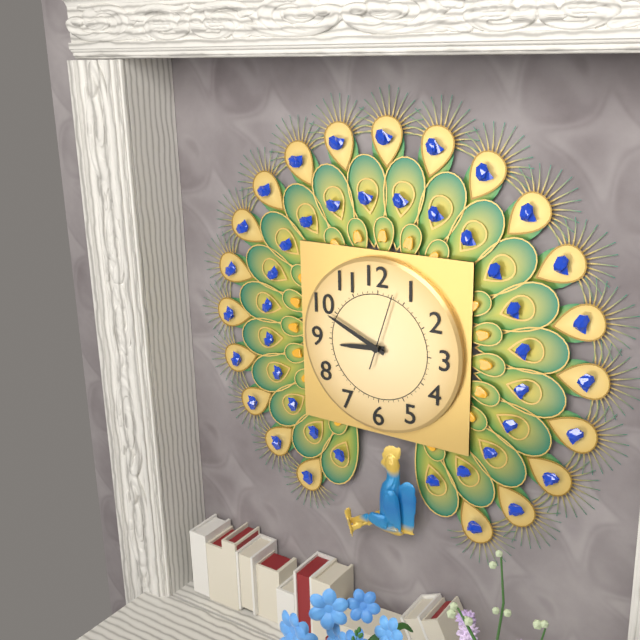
8:49:03
